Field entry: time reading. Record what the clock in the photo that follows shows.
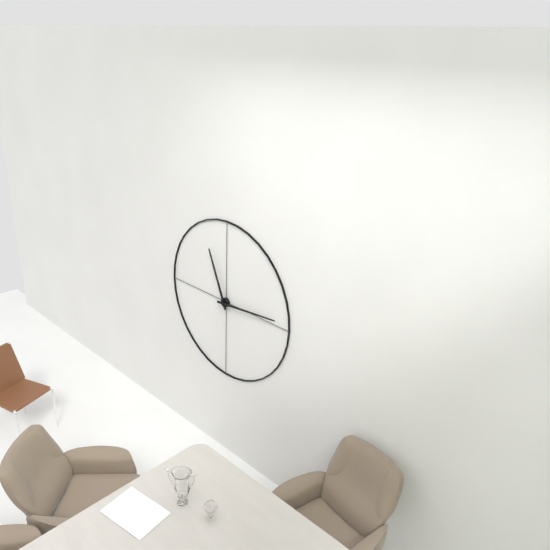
11:14
